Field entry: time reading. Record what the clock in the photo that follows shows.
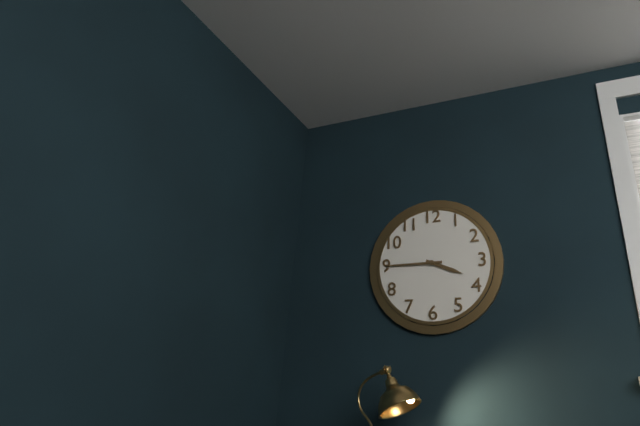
3:45
